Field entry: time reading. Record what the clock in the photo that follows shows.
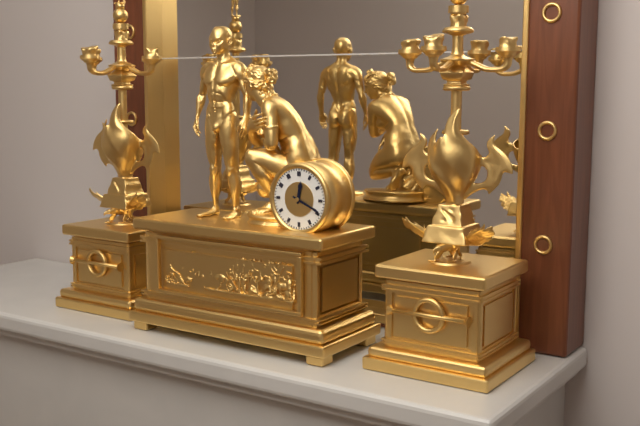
12:19
